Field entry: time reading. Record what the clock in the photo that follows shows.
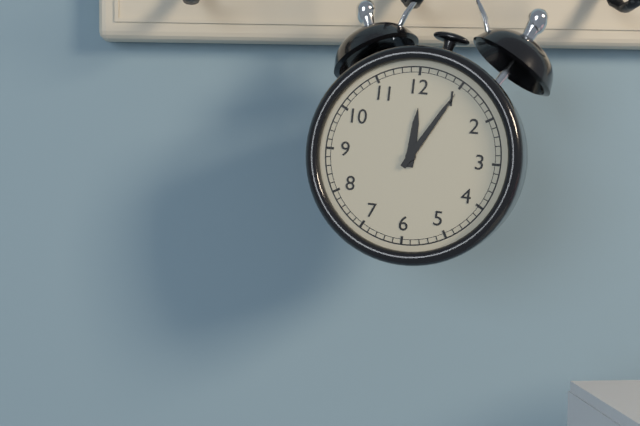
12:05
